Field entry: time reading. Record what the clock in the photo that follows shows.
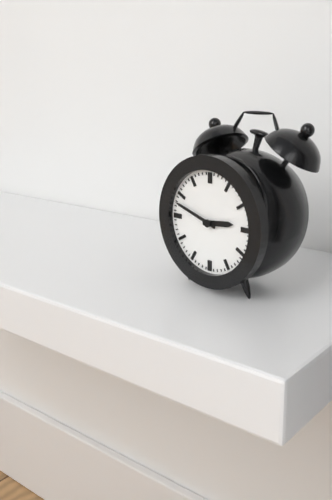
2:48
